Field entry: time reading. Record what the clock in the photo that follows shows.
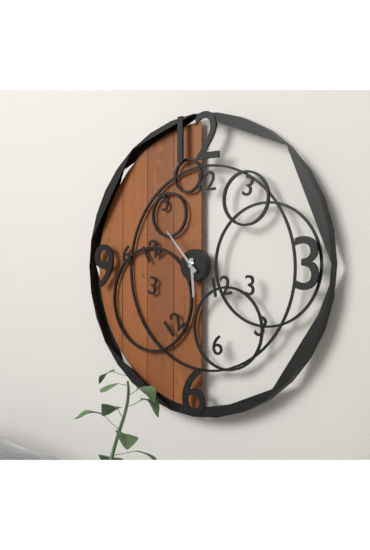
5:53
